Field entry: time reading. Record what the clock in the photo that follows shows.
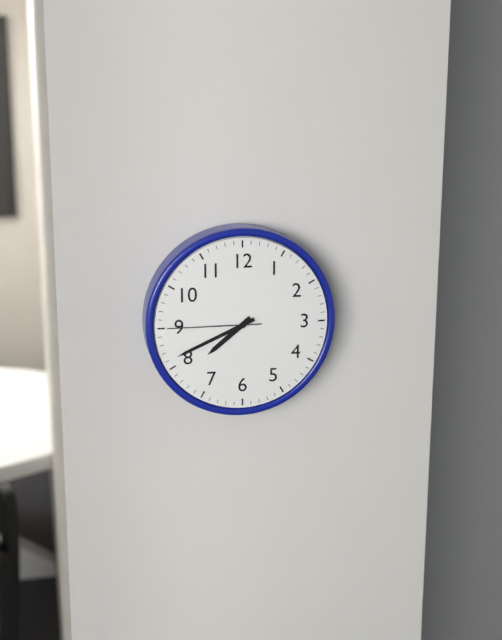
7:41:45
